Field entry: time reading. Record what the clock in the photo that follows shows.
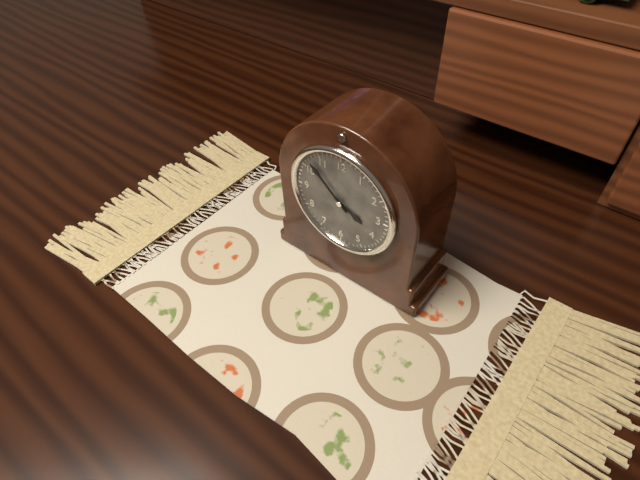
3:52
